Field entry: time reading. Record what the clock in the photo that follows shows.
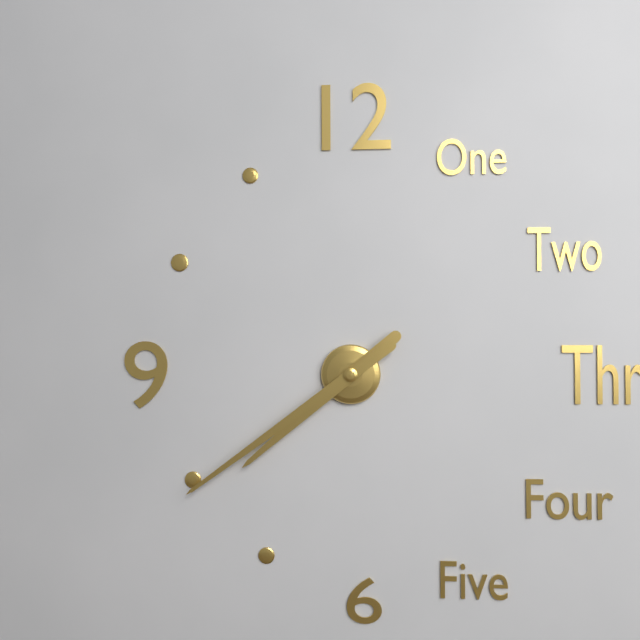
7:39
